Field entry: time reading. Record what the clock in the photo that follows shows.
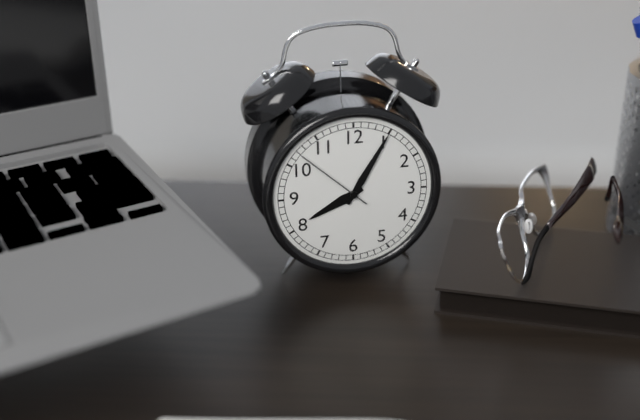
8:05:52
